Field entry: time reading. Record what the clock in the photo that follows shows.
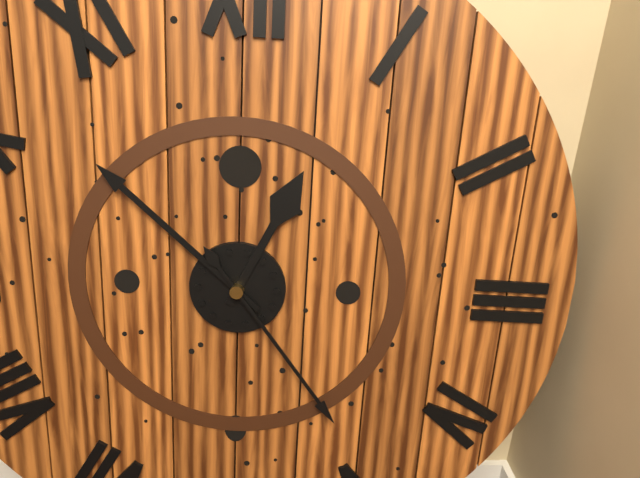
12:52:24
